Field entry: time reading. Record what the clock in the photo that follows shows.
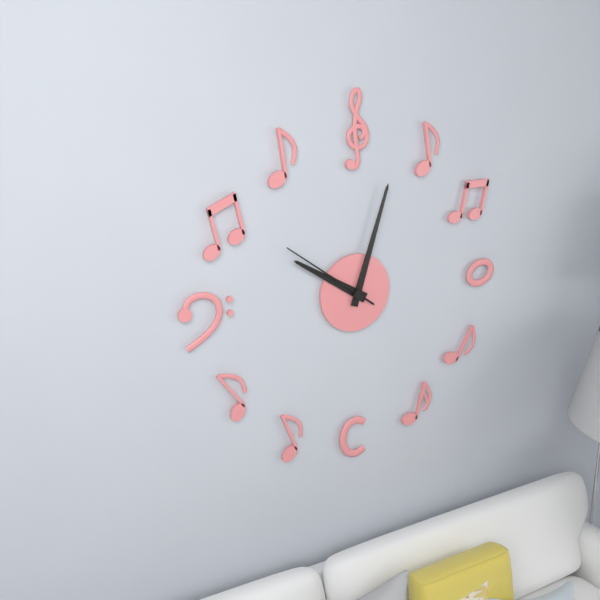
10:03:51
